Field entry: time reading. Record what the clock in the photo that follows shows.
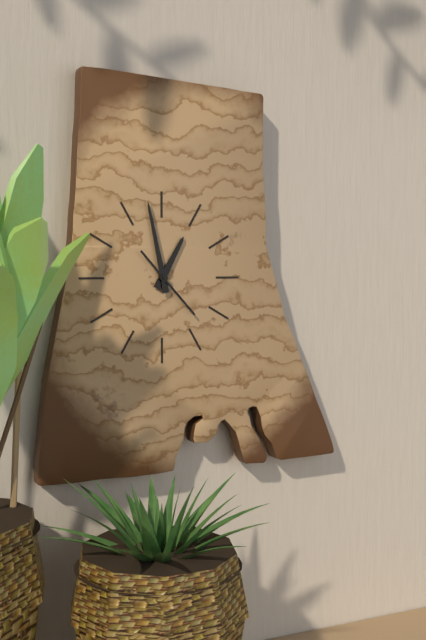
12:58:23
